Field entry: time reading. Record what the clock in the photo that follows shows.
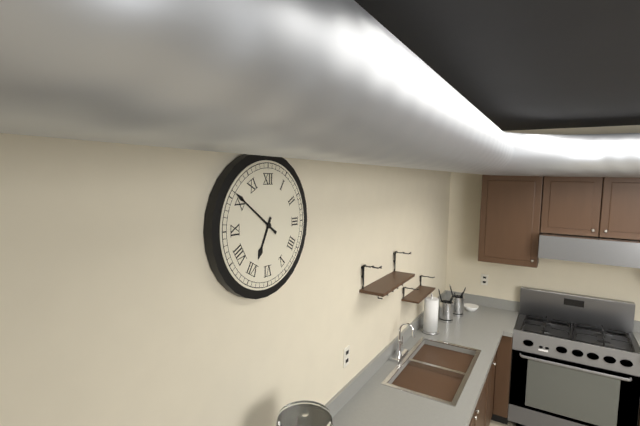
6:51
